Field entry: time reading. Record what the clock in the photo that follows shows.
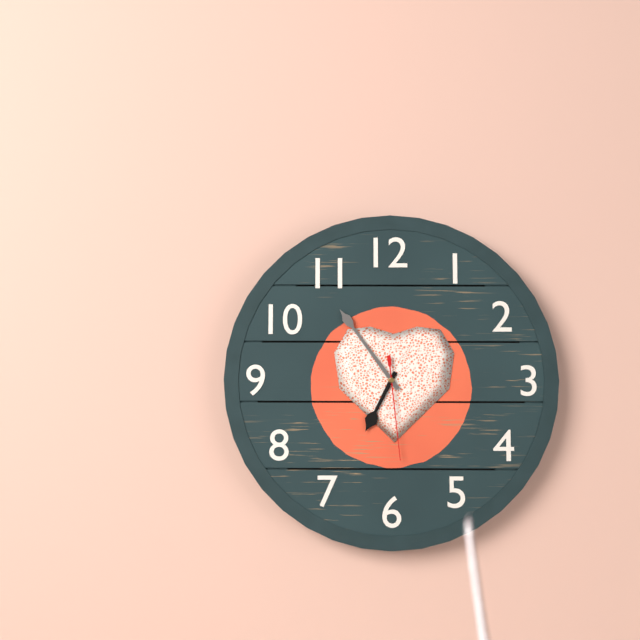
6:54:29
